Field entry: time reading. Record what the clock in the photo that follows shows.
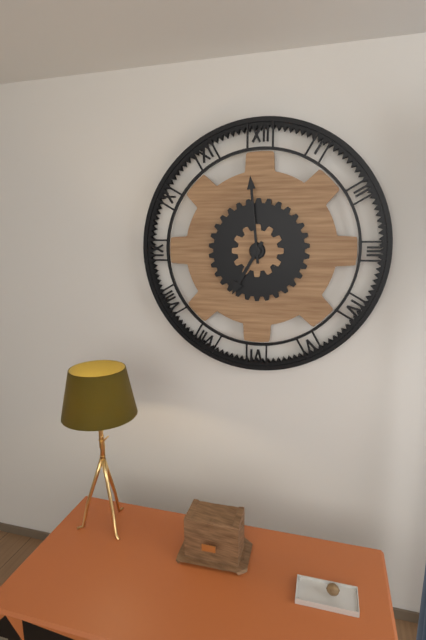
6:59
